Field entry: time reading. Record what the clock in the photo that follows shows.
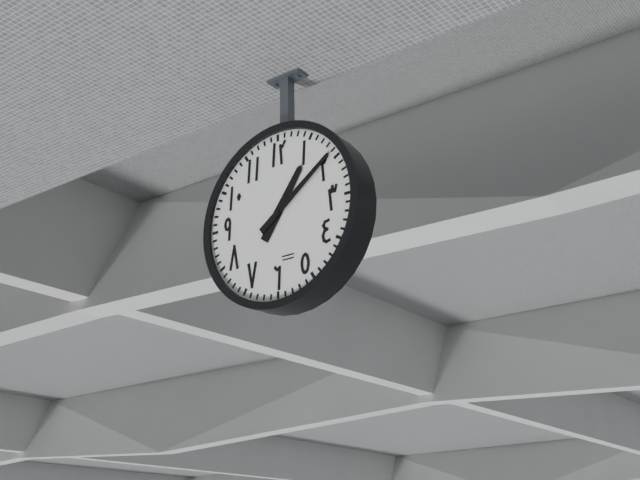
1:09
